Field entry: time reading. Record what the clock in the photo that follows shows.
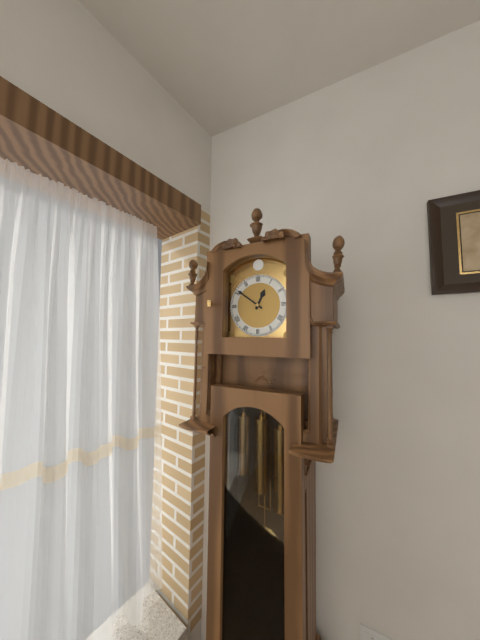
12:51
